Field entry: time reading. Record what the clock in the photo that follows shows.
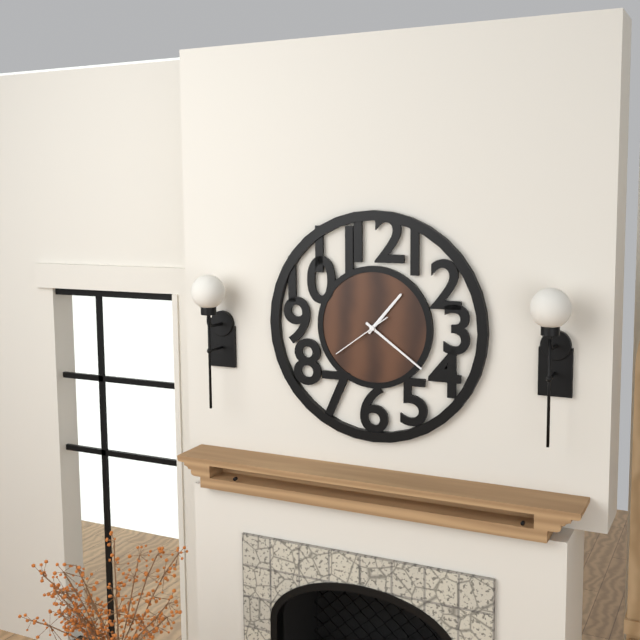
1:21:39
